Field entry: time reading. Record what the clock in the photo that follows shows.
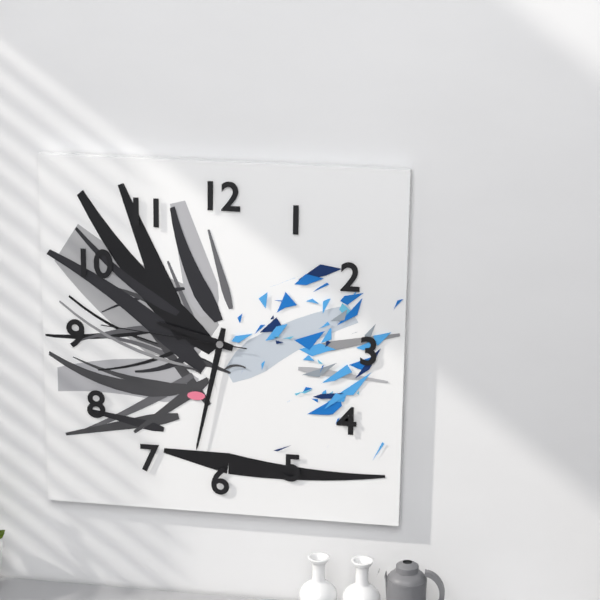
9:32:46
